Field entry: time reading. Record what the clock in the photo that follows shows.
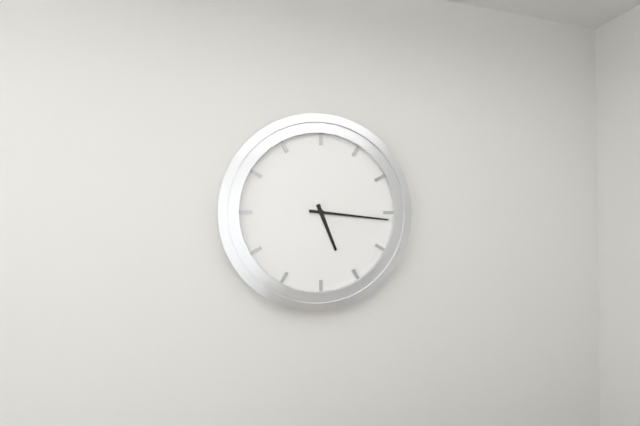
5:16
